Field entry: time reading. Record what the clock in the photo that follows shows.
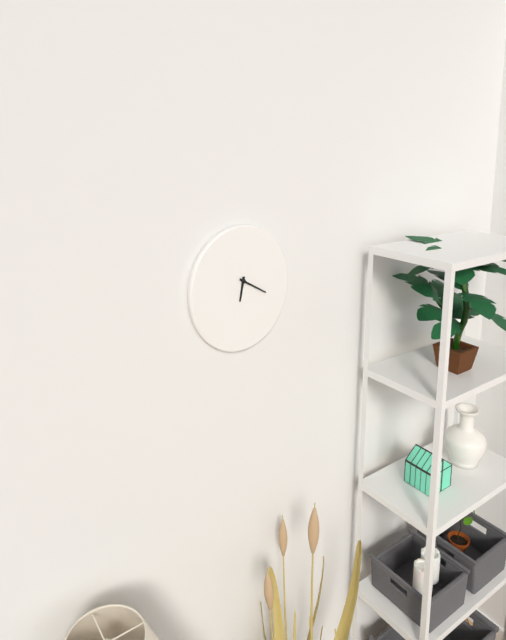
6:20
